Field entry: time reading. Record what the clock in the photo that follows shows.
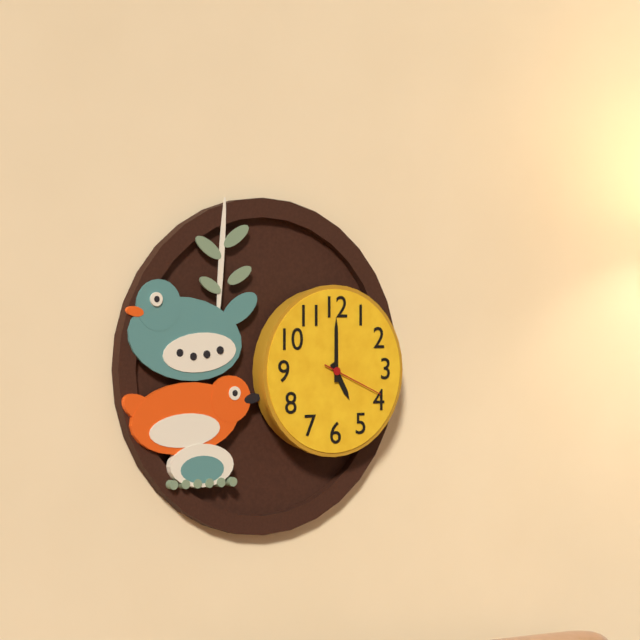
5:00:19
